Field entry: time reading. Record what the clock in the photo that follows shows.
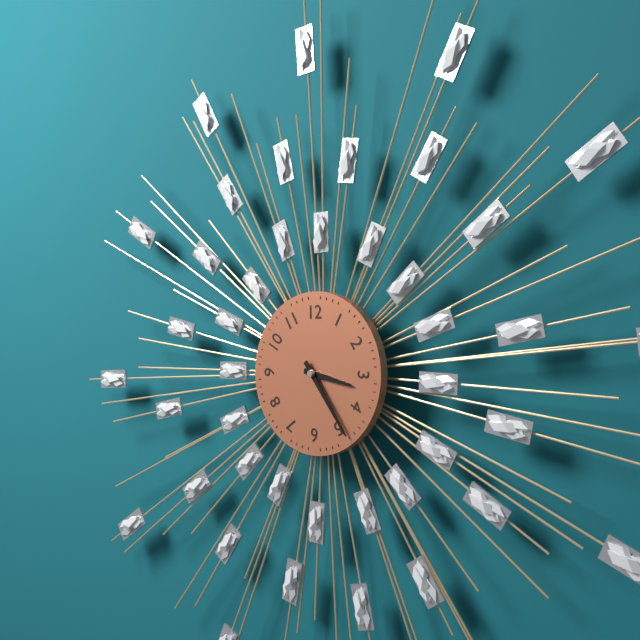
3:24
